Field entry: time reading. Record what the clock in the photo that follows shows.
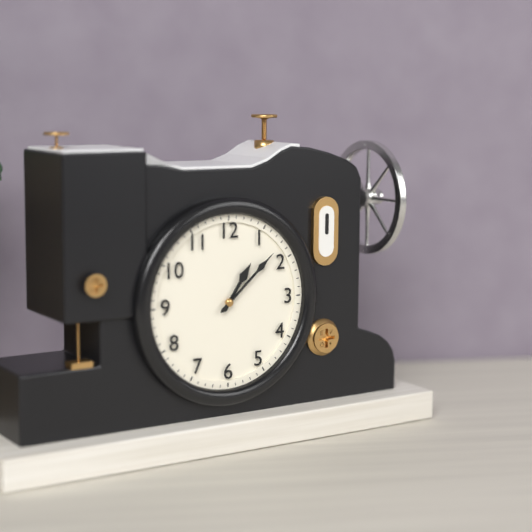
1:08
